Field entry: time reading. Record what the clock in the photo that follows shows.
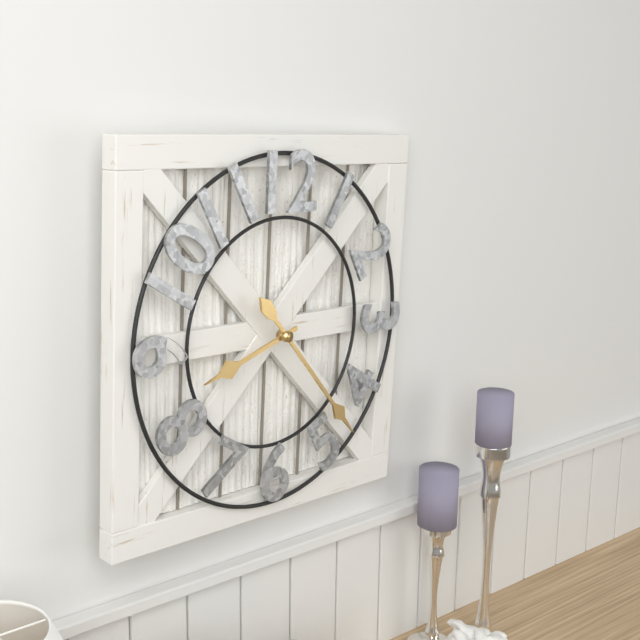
8:23
